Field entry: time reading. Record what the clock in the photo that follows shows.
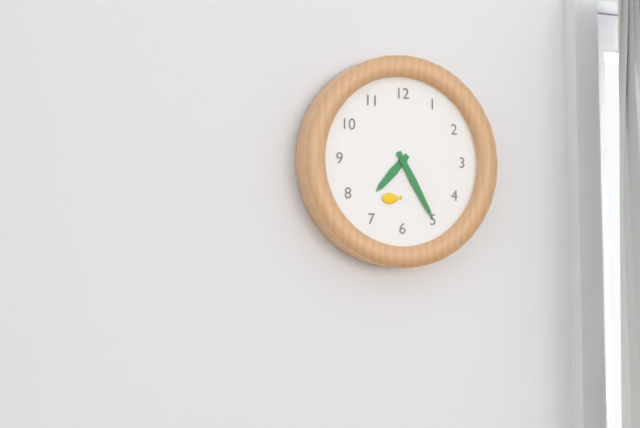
7:25
